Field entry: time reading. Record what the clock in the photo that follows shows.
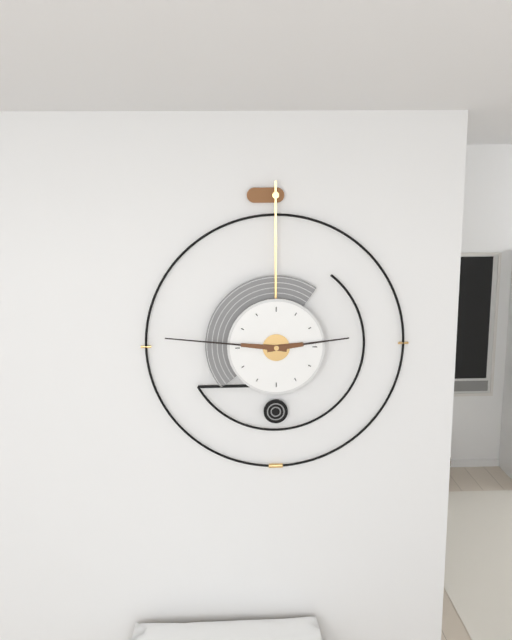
2:46
